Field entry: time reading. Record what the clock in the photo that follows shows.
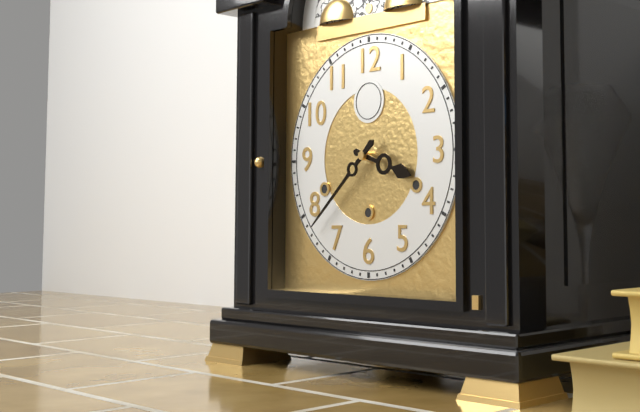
3:38
